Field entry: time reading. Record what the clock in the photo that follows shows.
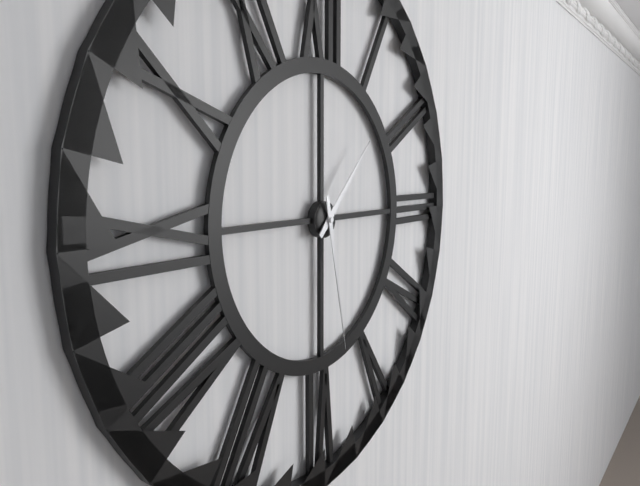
1:28
